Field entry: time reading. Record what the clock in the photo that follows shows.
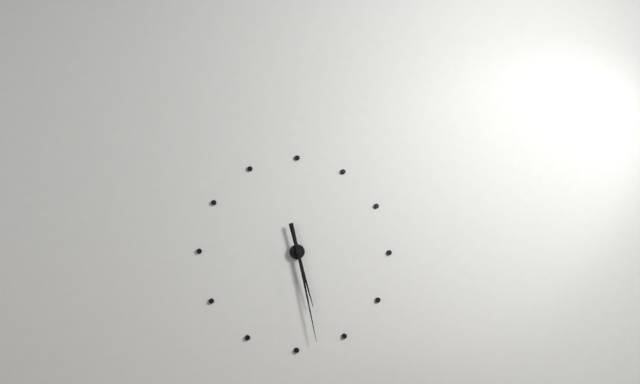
5:28
